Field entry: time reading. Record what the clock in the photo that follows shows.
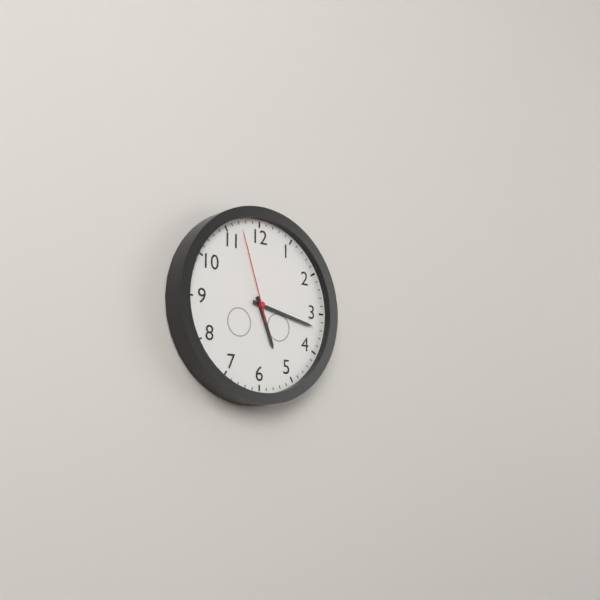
5:17:57
